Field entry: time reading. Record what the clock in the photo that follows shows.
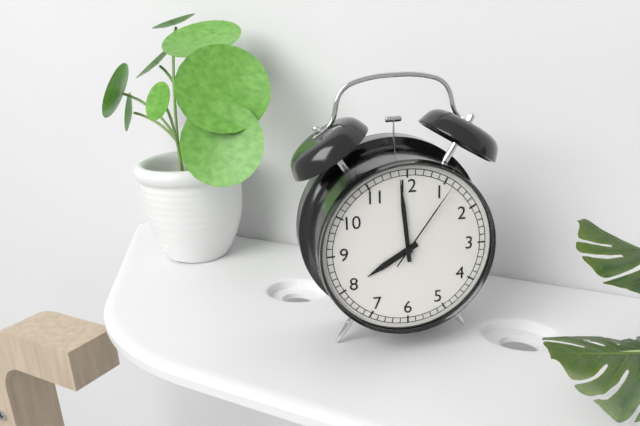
7:59:06
